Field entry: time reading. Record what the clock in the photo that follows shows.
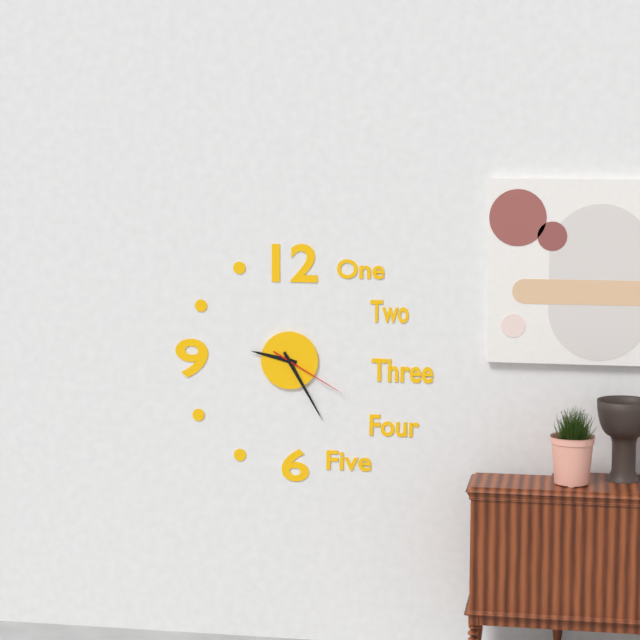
9:25:20
